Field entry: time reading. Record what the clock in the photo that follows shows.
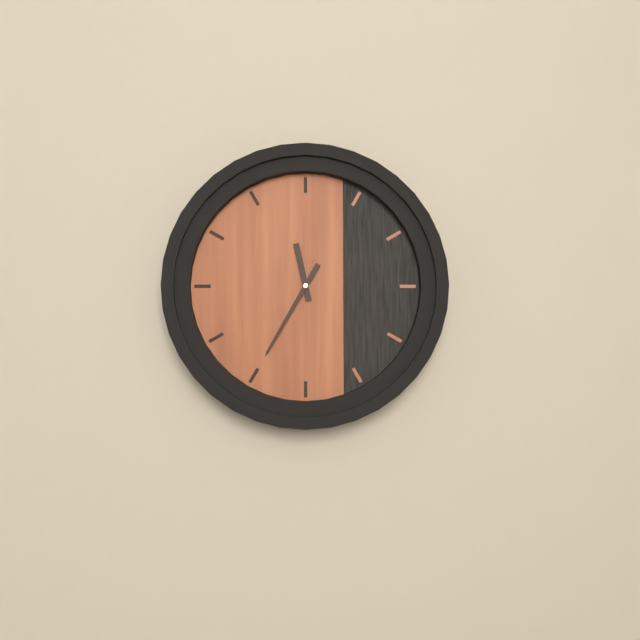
11:35
